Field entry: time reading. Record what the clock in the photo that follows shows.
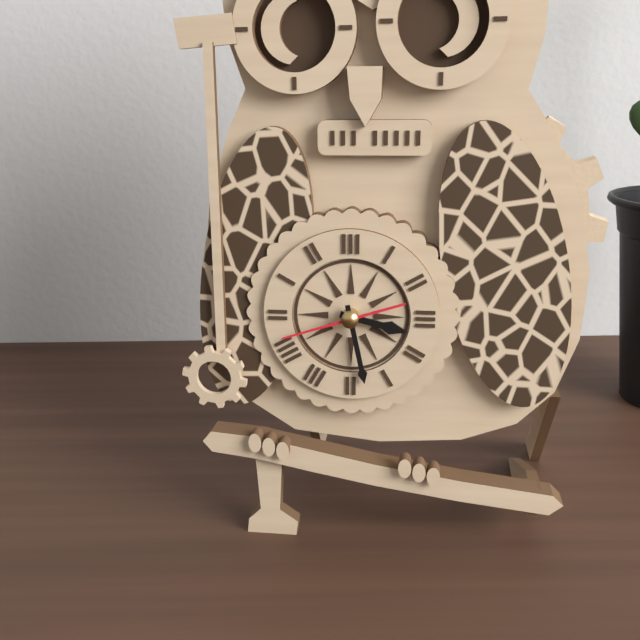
3:28:42
